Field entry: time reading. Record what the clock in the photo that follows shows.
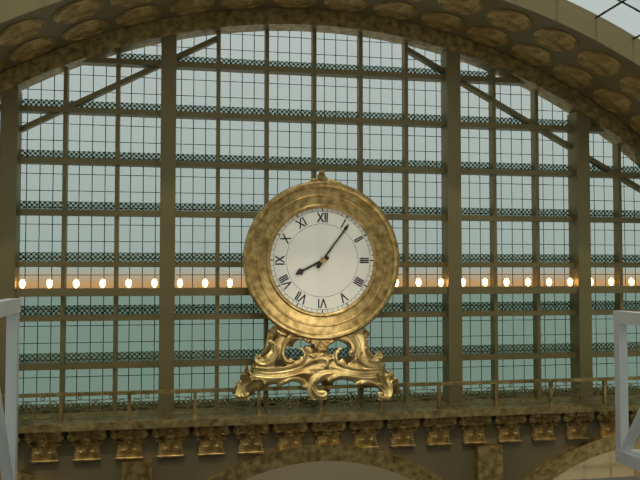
8:06
